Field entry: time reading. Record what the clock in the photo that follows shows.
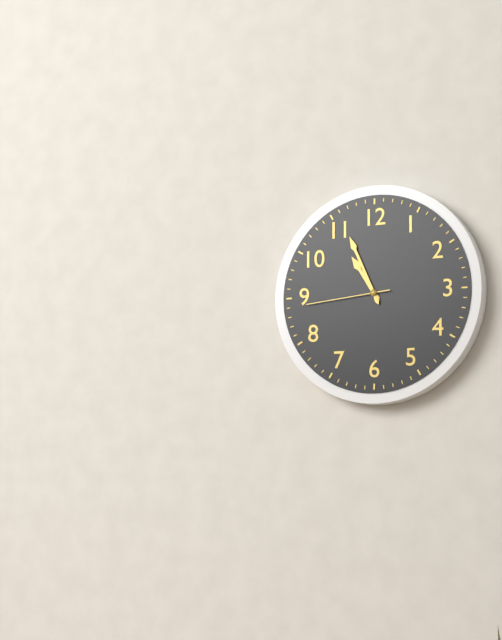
10:56:44
